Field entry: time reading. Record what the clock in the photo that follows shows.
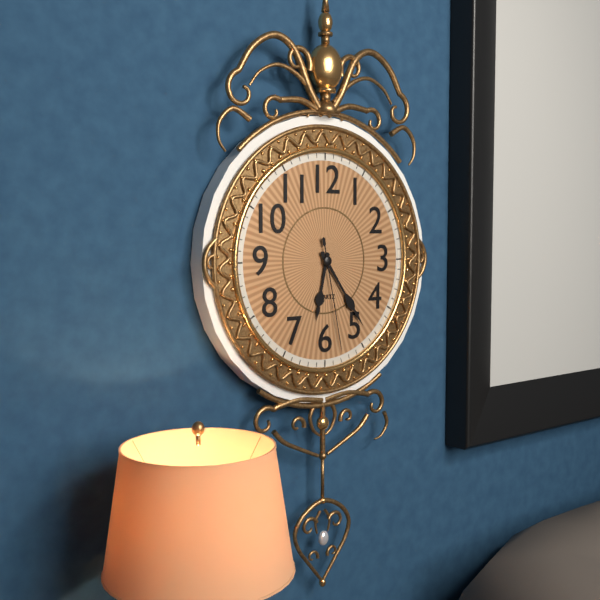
6:24:28
